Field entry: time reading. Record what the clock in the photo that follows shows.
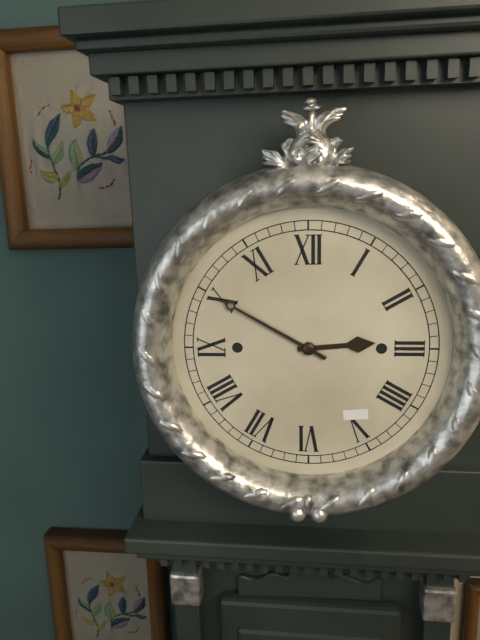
2:50
